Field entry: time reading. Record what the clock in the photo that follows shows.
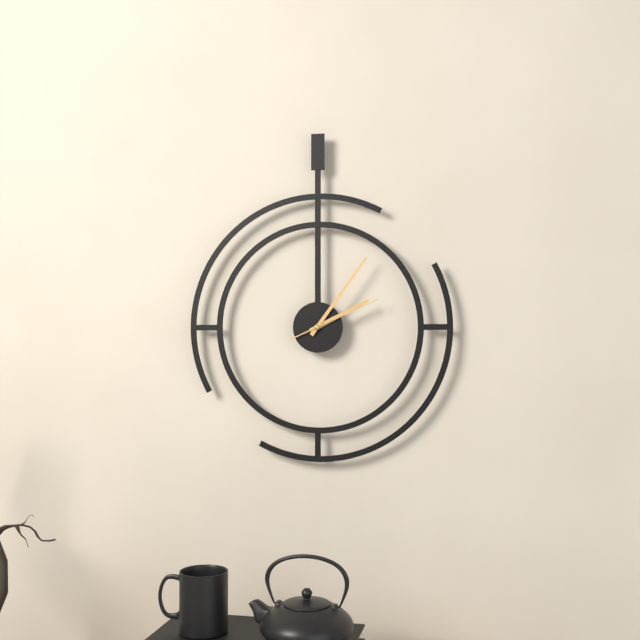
2:06:11
